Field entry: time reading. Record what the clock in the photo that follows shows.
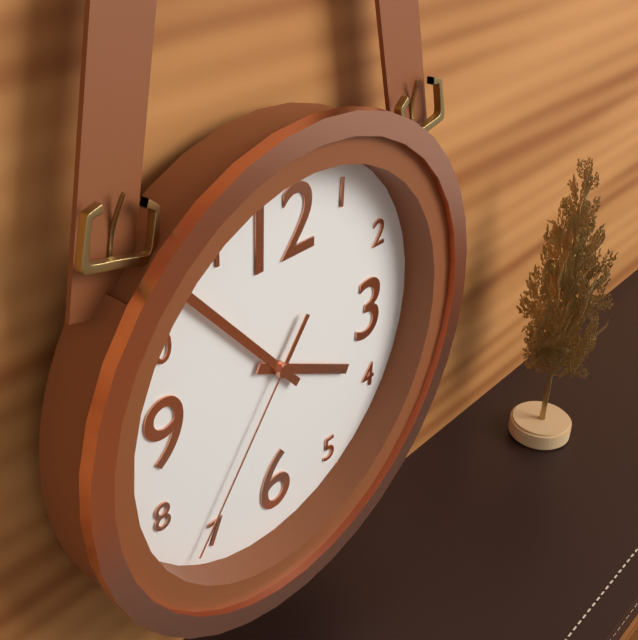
3:53:36
